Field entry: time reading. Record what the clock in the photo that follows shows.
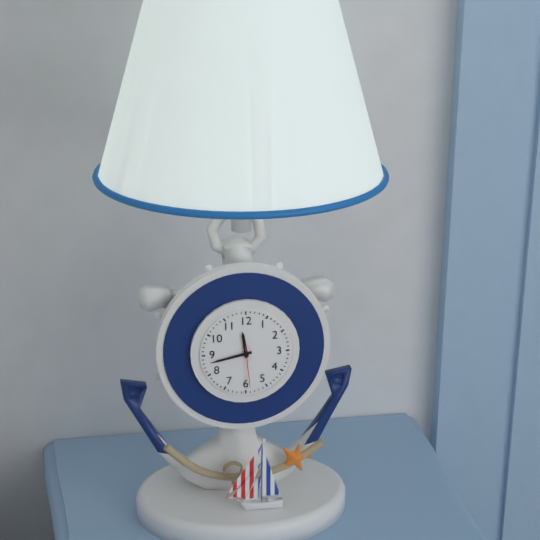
11:43
